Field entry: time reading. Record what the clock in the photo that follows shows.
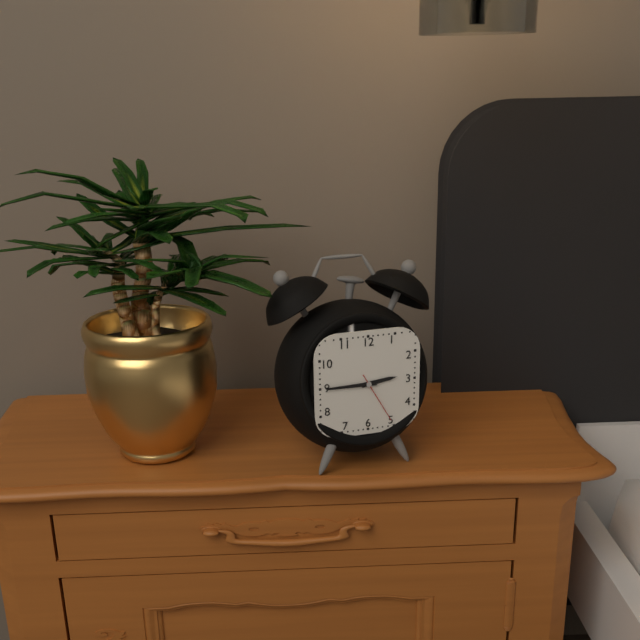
2:45:25
